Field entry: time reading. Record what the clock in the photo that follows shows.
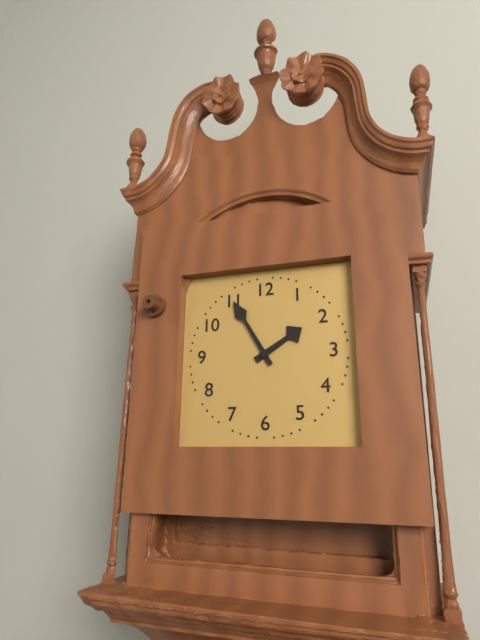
1:55
